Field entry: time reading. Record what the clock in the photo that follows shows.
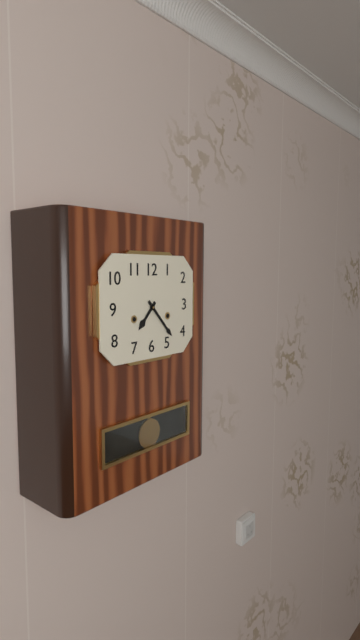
7:23
